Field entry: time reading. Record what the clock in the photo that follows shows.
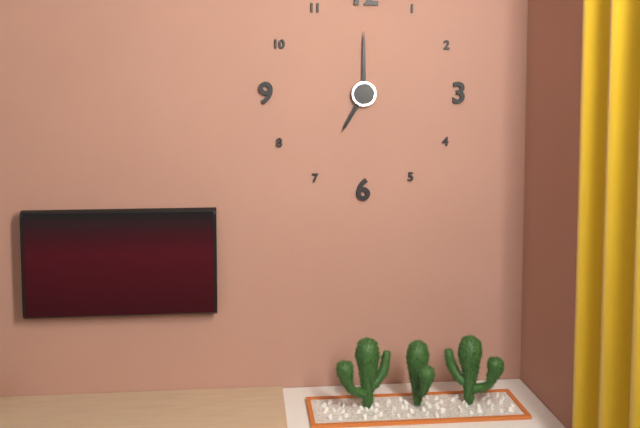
7:00
